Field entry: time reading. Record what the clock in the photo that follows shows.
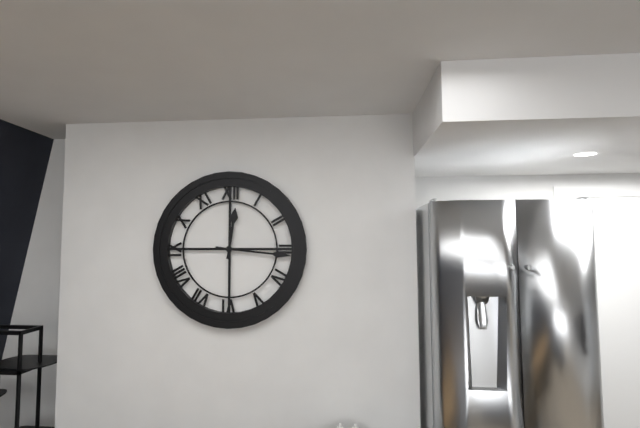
12:16
